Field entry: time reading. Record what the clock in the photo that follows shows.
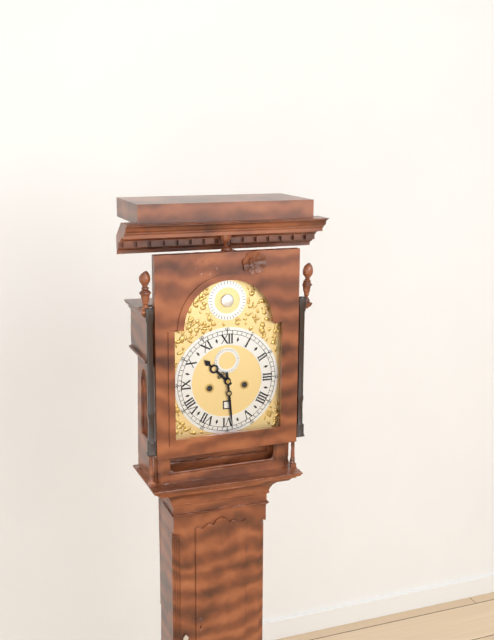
10:29
